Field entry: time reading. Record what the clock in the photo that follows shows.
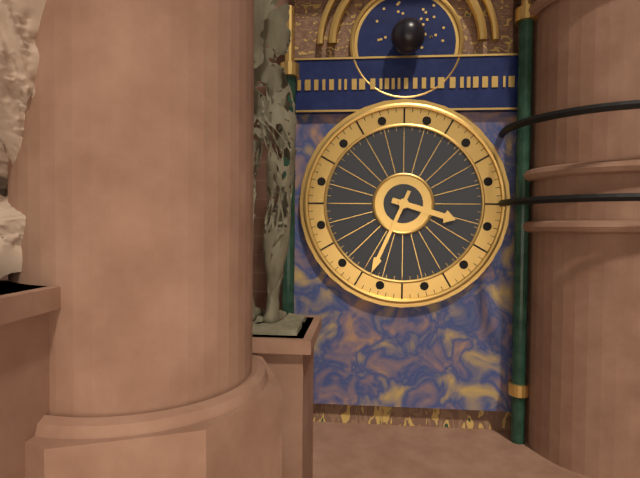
3:34
